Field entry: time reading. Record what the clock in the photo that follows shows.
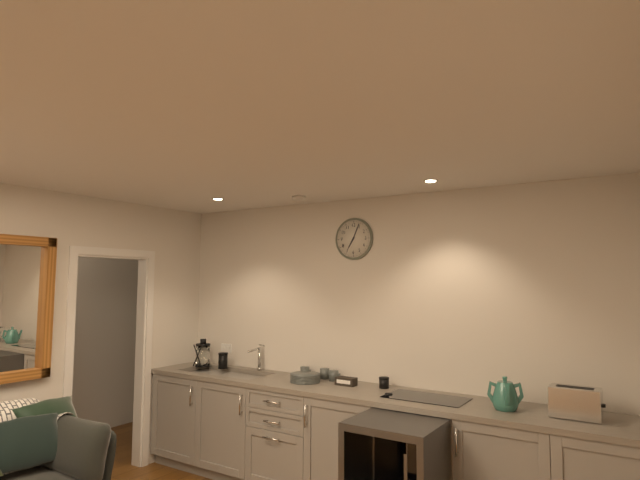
7:04
